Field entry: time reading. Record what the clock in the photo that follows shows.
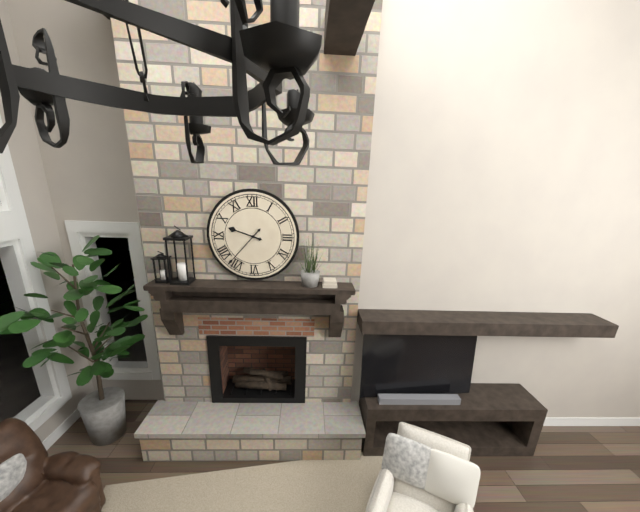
9:37
